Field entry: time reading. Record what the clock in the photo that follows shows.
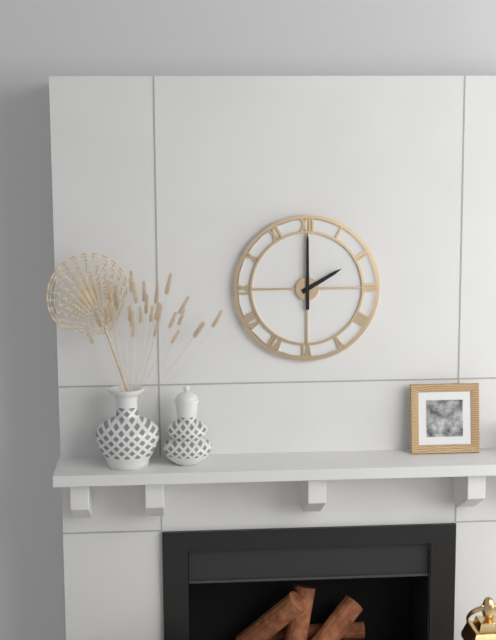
2:00
